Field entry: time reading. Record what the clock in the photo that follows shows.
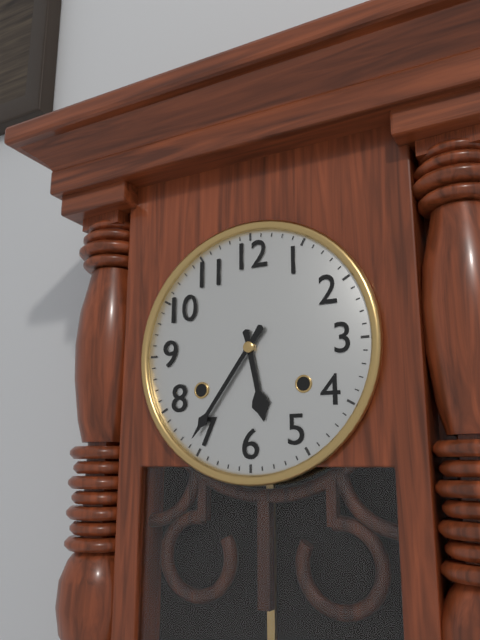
5:36
